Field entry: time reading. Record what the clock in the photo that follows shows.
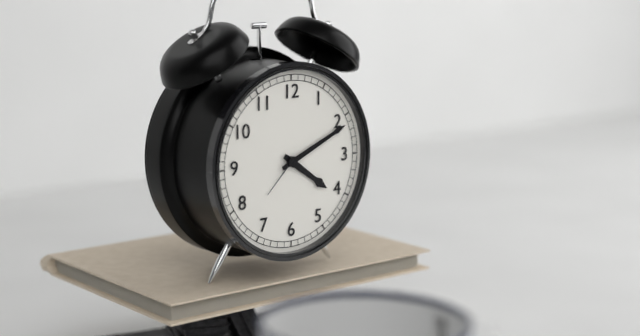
4:11
